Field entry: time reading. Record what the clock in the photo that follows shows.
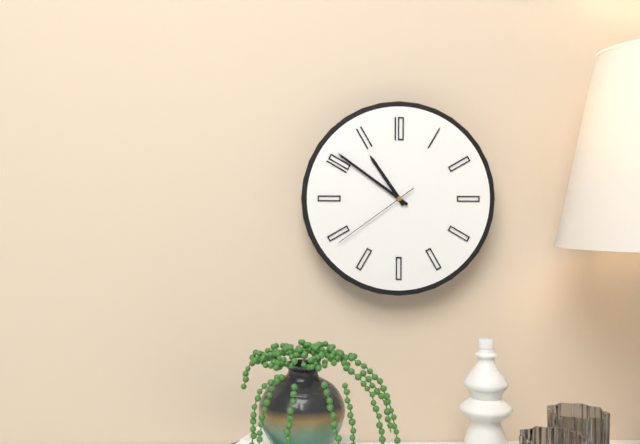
10:51:39
